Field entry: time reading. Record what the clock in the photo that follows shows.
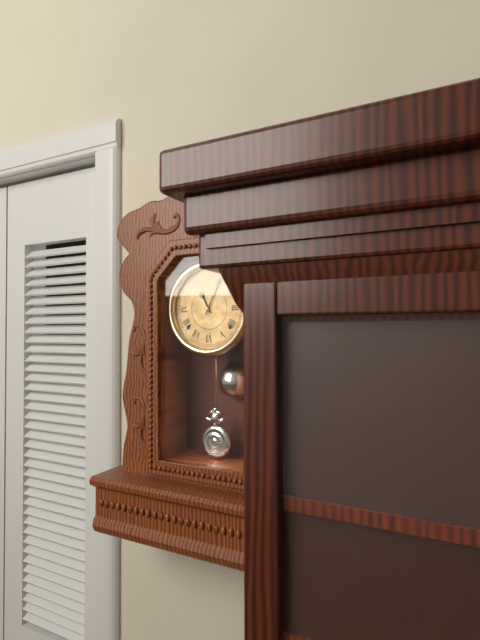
11:04
